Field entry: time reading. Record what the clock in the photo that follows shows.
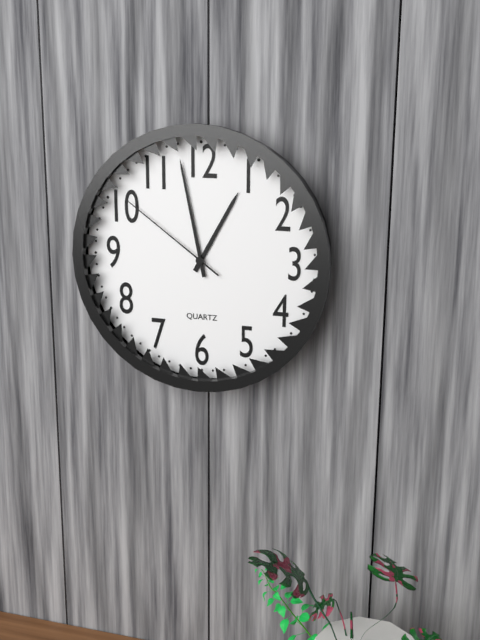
12:58:51
